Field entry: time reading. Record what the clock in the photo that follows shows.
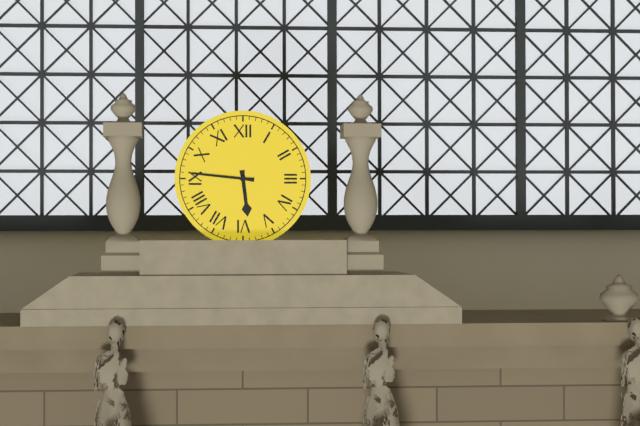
5:46
